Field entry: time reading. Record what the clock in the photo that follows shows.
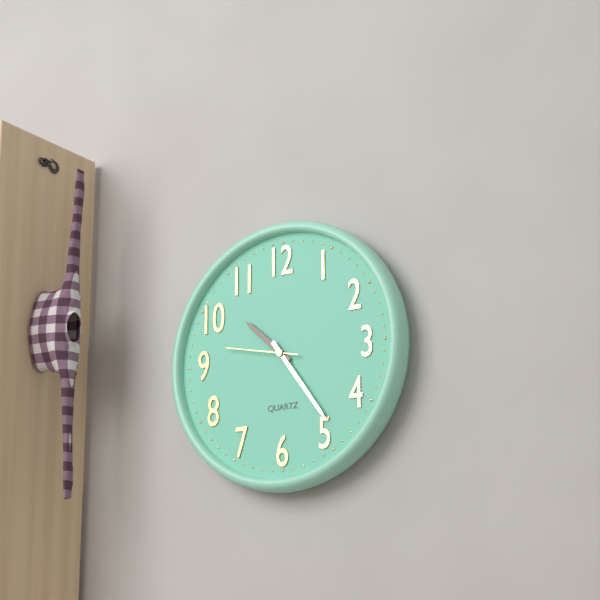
10:24:47
